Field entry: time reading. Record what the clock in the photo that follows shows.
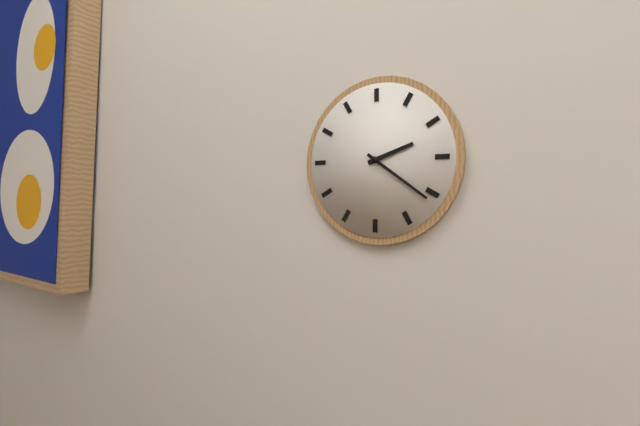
2:21
